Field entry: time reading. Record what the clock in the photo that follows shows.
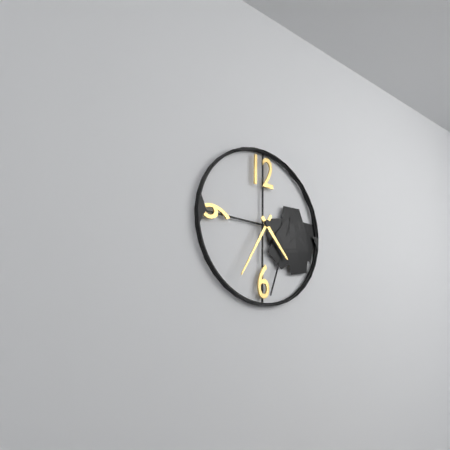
4:35
